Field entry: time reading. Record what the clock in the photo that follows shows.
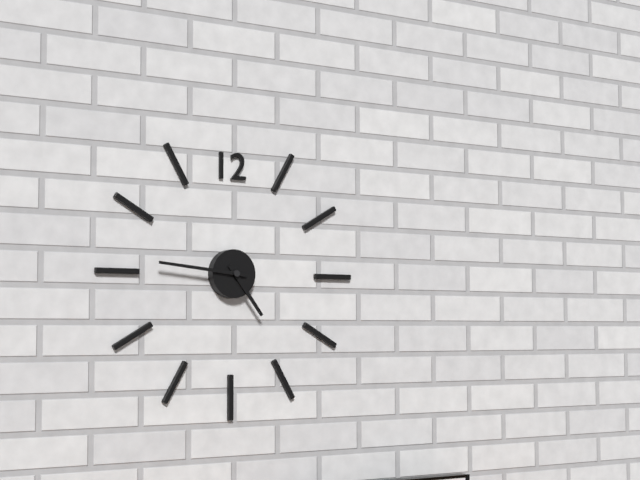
4:46
